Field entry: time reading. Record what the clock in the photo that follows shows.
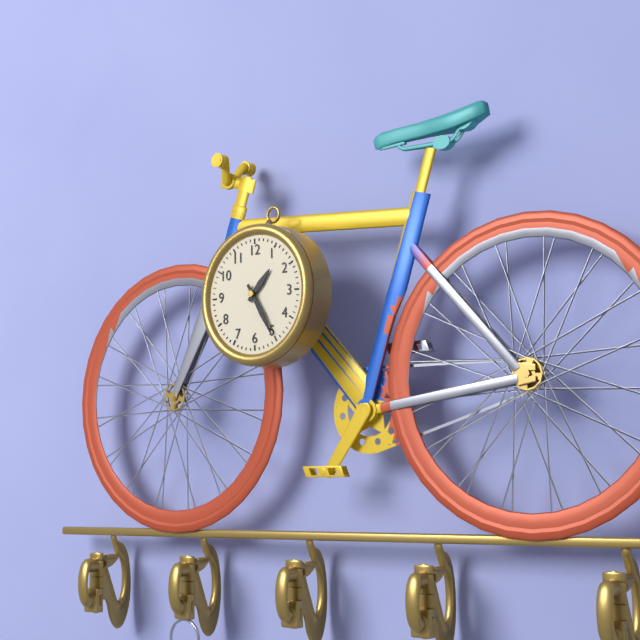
1:25
